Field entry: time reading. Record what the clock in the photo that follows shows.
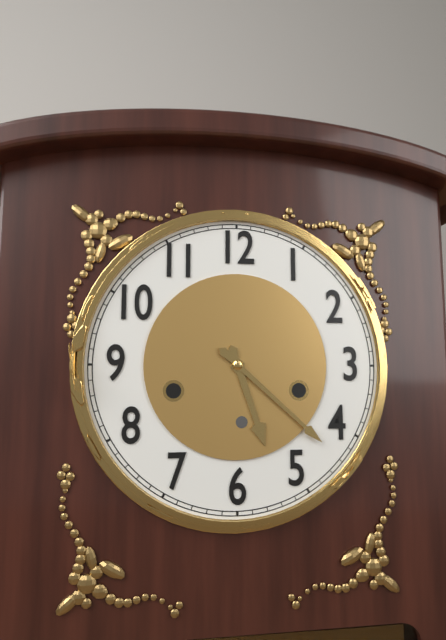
5:22
